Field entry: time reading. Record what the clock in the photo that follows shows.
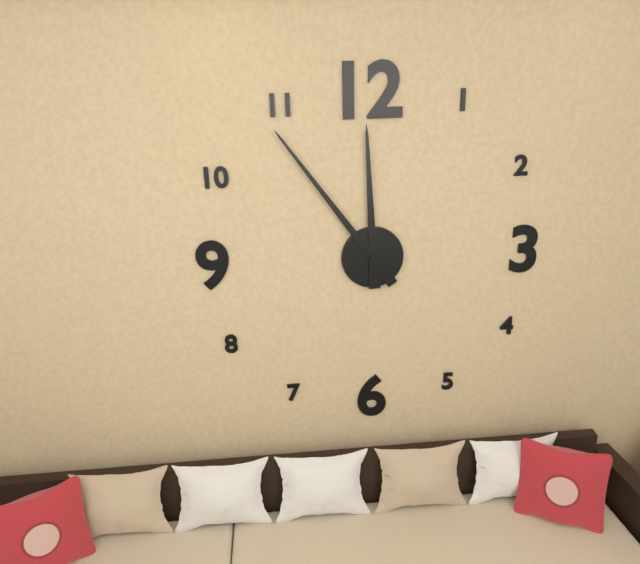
11:54
